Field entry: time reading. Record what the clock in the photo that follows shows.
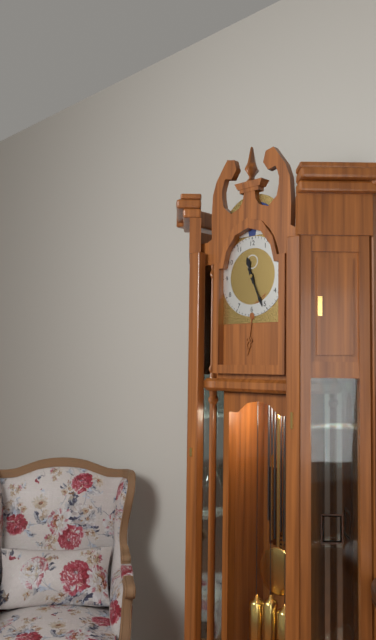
11:26
